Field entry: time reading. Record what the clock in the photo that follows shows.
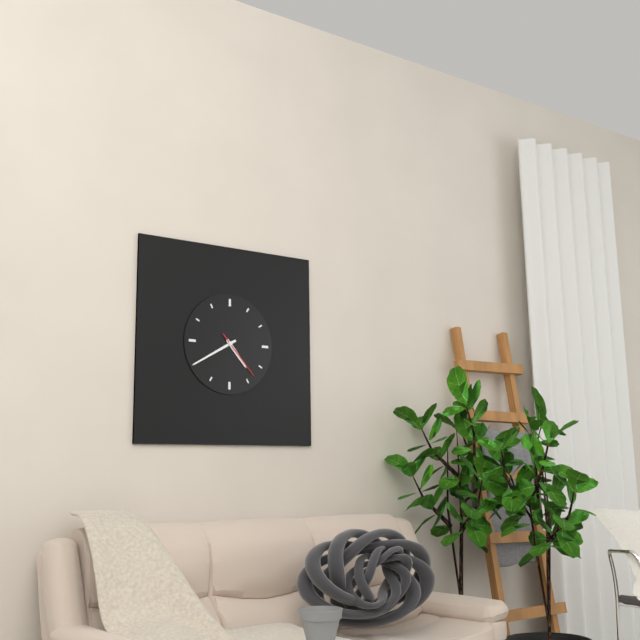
4:40
